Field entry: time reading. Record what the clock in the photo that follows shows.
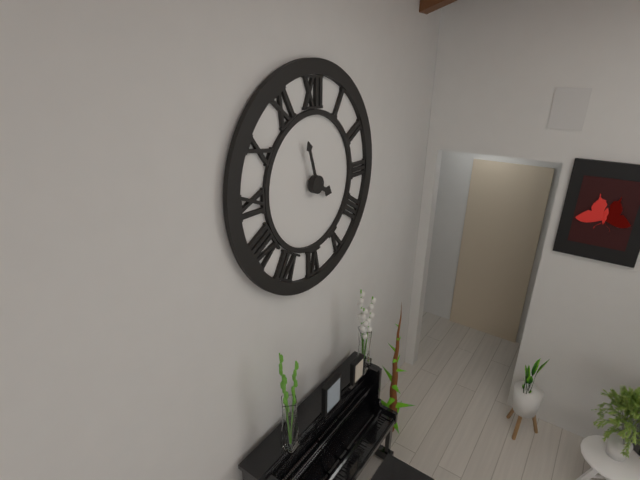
3:57
